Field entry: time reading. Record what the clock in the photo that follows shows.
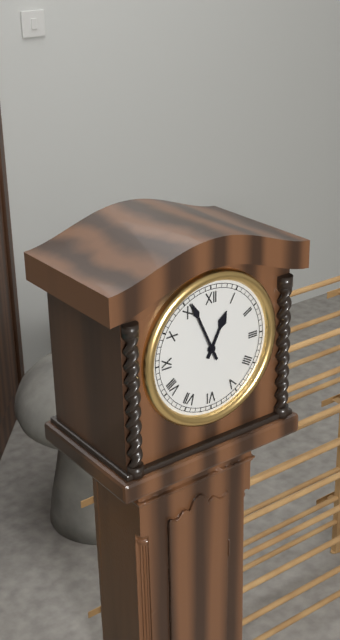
12:56
